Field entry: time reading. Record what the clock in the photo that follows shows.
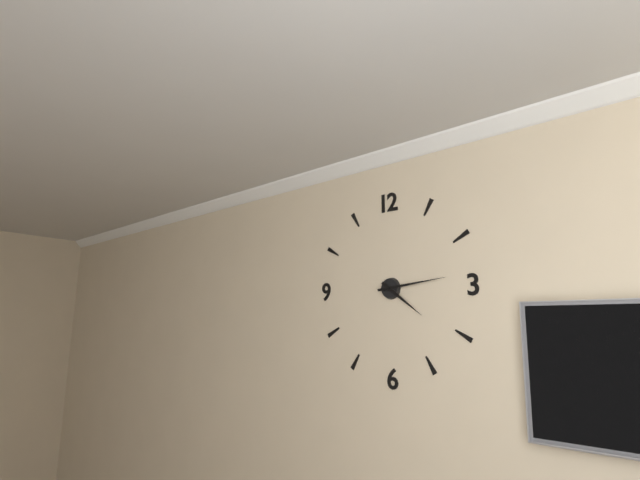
4:14
